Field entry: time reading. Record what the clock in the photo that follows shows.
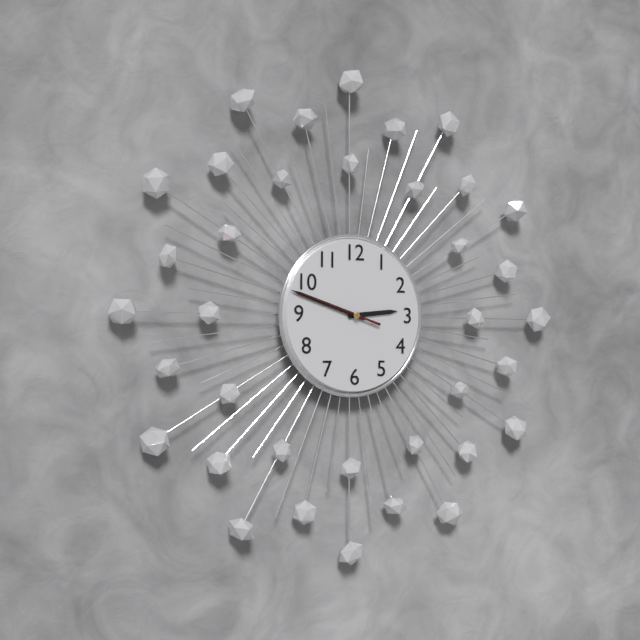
2:48:48
